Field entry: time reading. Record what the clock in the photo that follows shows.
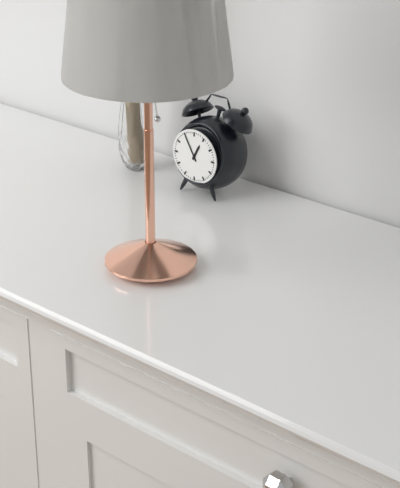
12:55
